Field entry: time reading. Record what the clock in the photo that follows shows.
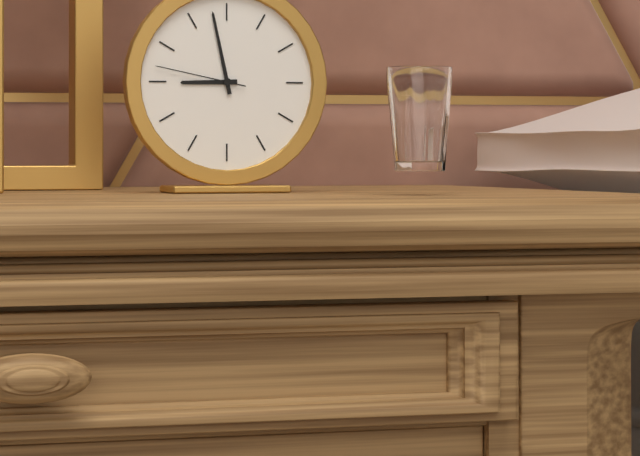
8:58:47
